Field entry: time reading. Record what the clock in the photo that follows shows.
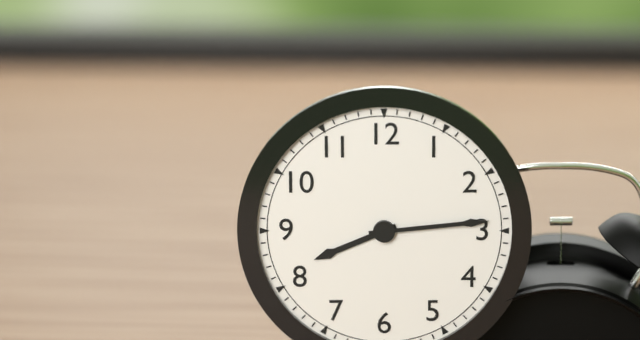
8:14
